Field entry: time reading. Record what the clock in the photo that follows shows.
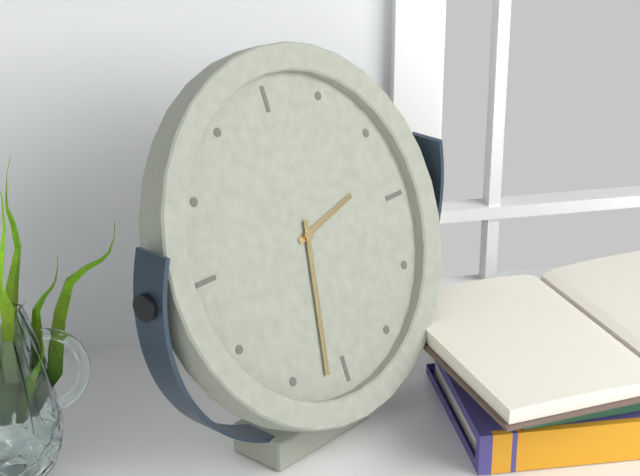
2:32
